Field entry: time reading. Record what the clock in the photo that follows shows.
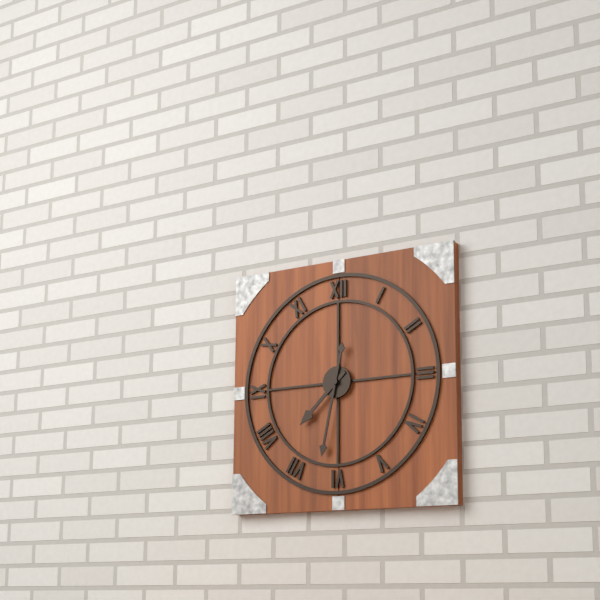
7:32
